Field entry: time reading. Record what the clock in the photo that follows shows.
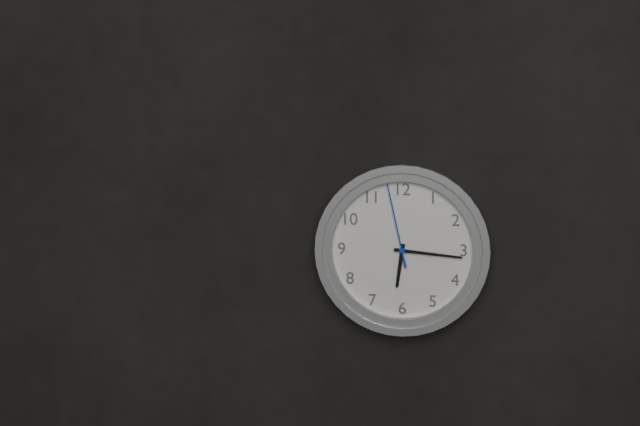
6:16:58
